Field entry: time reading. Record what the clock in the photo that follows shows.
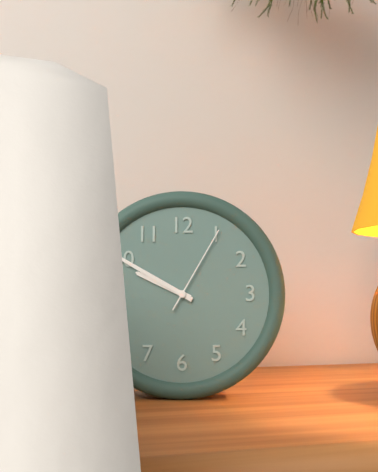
9:50:05
